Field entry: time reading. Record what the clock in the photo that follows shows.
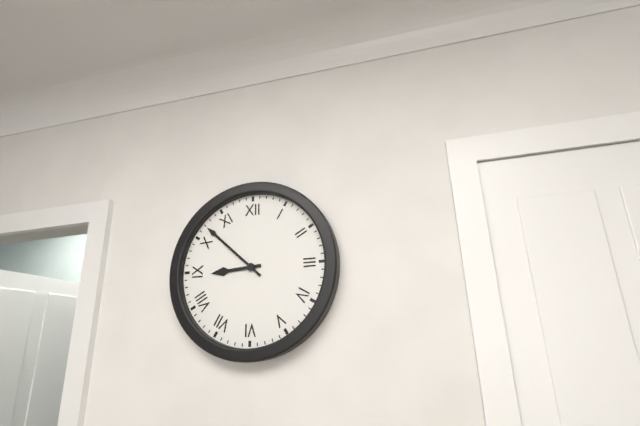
8:52
